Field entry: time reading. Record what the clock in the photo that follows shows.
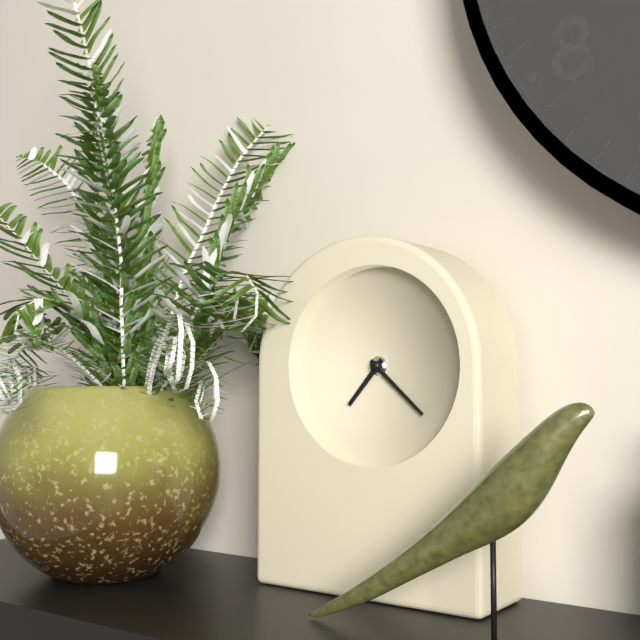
7:22
